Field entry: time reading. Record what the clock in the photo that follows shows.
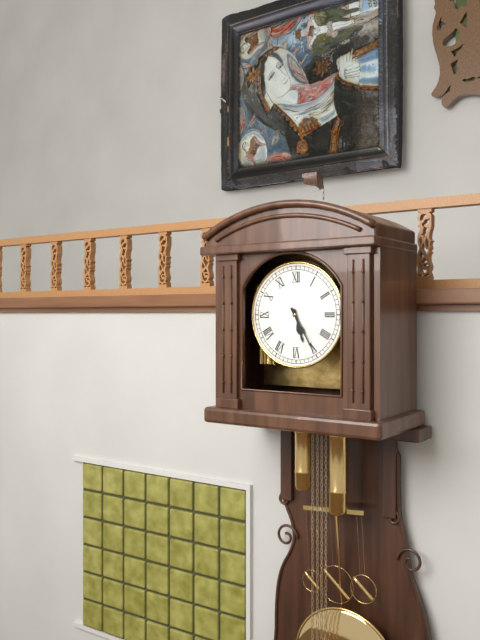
5:25
